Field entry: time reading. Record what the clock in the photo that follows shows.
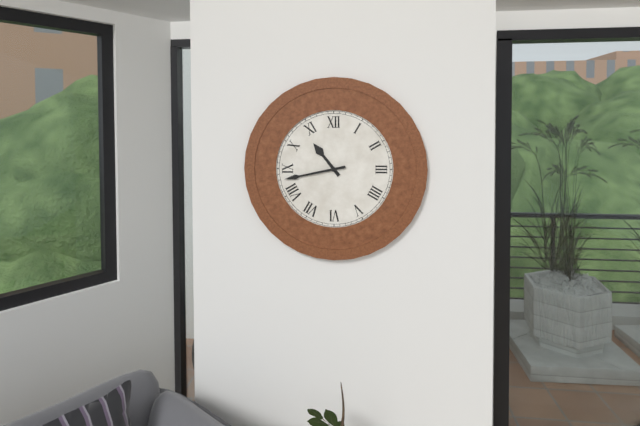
10:43
